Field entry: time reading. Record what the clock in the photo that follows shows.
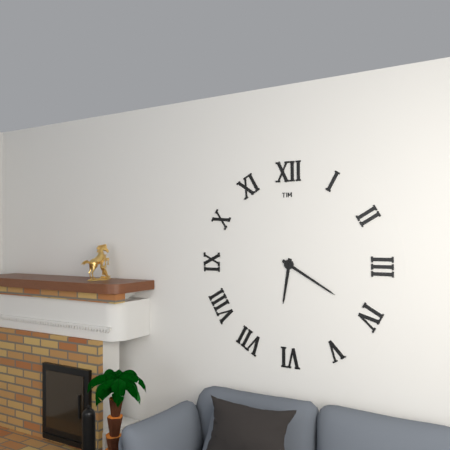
6:20
